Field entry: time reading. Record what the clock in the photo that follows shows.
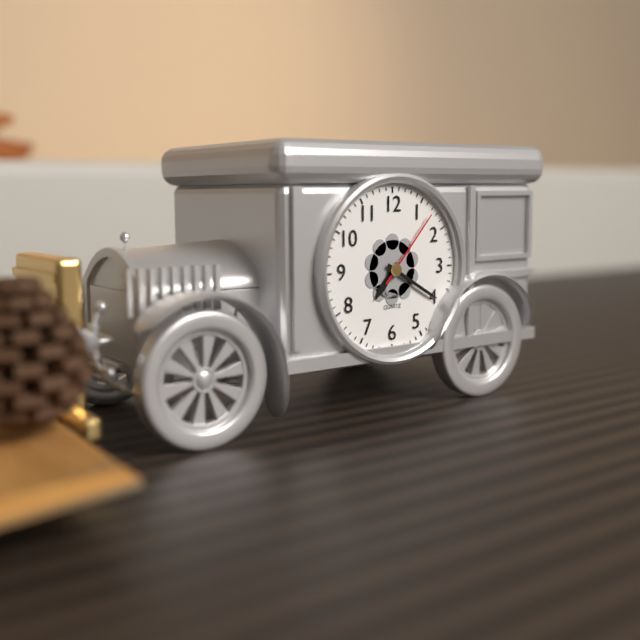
7:20:07
